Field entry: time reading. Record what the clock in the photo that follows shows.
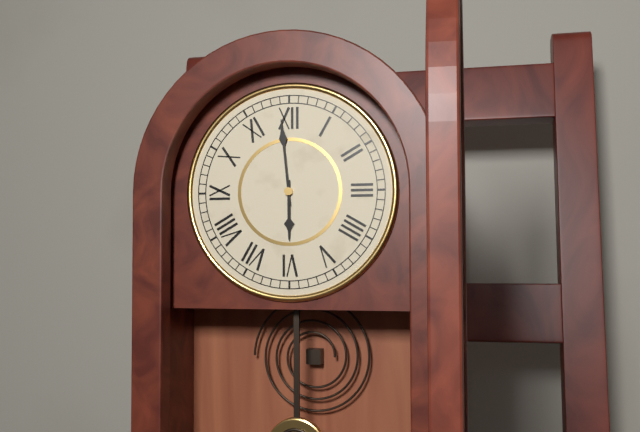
5:59
